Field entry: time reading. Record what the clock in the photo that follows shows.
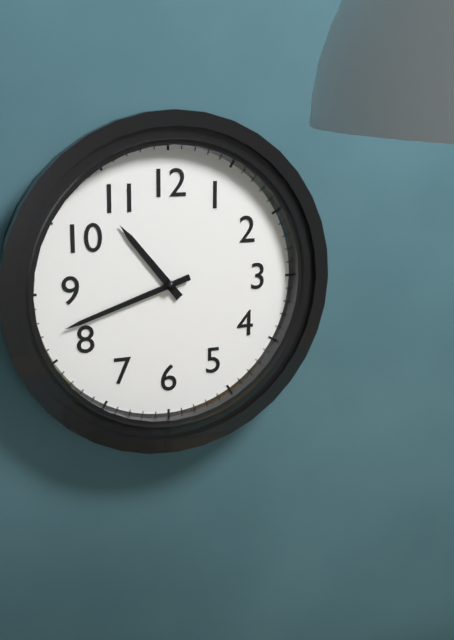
10:42
